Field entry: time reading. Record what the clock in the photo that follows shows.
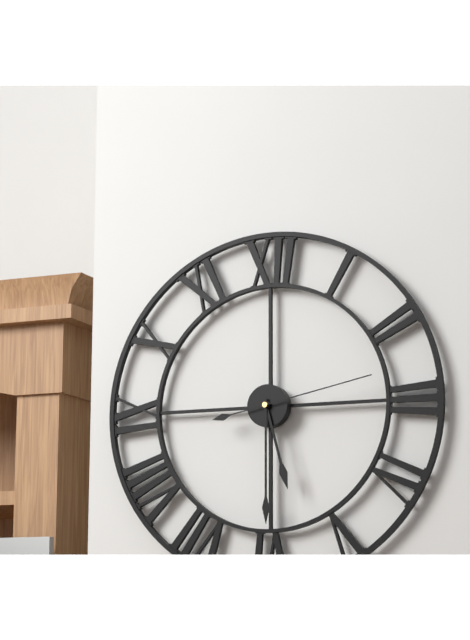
5:30:13
